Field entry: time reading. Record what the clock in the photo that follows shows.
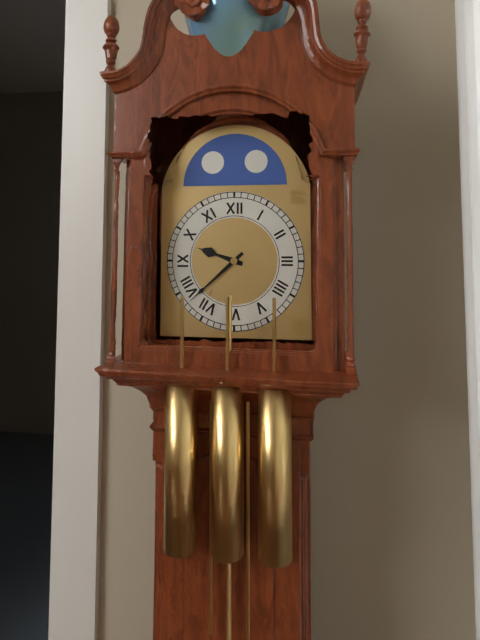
9:38
